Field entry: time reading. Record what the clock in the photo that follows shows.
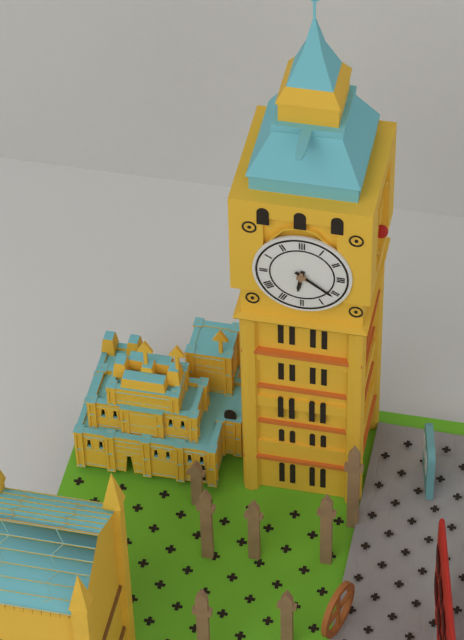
6:21
